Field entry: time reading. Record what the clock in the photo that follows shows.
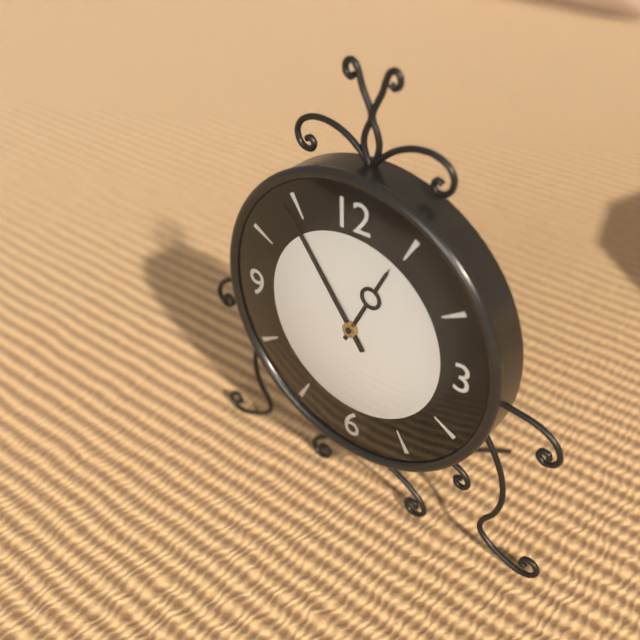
12:54
